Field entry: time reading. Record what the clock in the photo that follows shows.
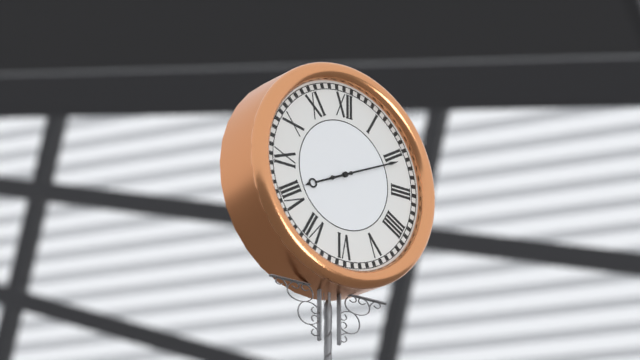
8:11
